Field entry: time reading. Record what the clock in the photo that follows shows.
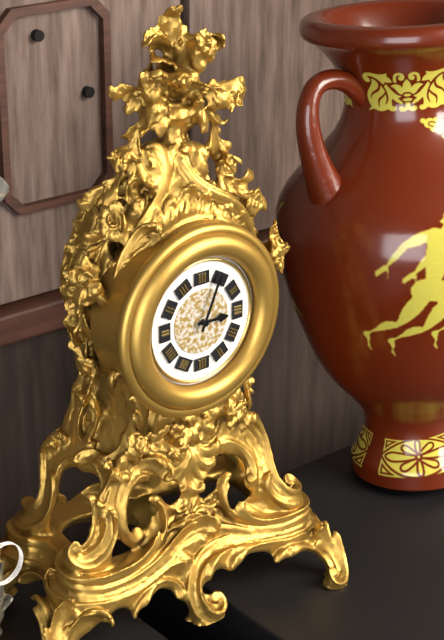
3:04
